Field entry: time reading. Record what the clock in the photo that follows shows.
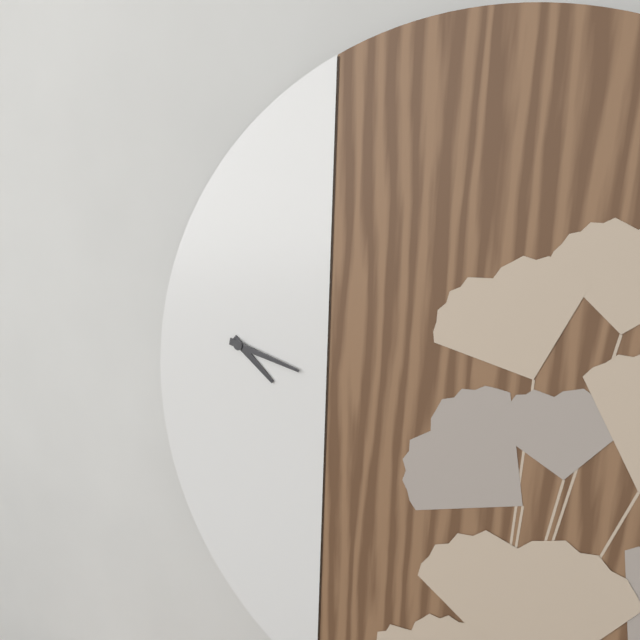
4:17
